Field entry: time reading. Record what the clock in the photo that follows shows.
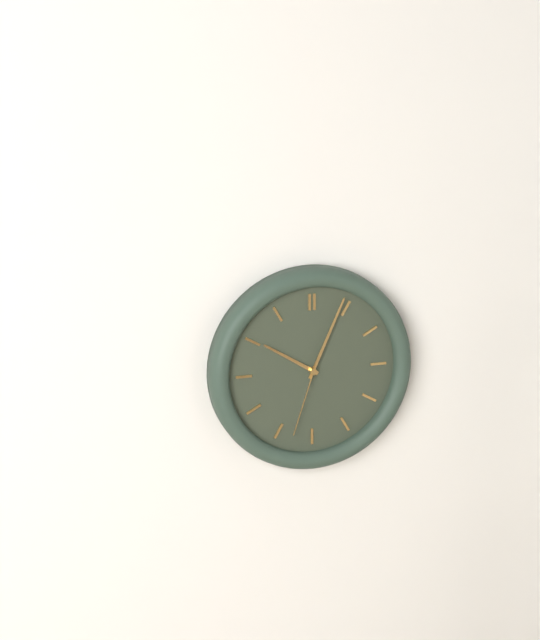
10:04:33
